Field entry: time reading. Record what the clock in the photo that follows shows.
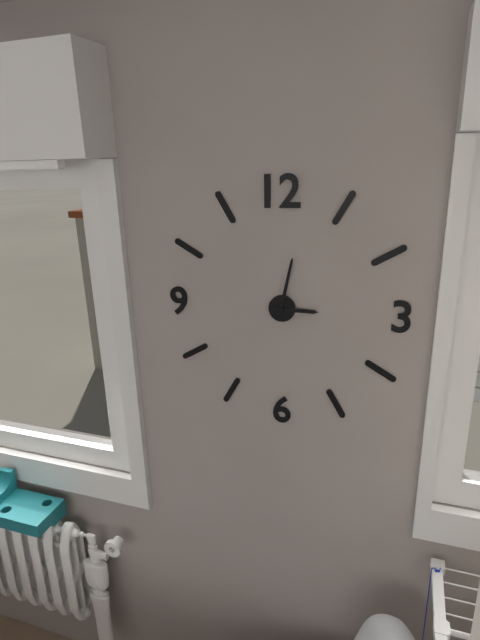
3:02
